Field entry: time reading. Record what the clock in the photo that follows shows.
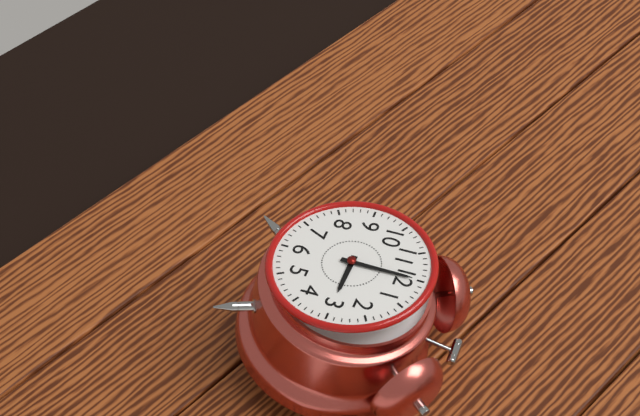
3:00
